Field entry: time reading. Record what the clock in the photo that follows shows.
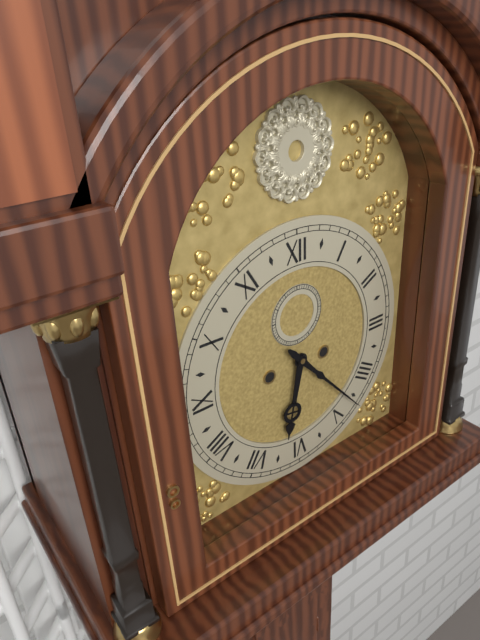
6:23
